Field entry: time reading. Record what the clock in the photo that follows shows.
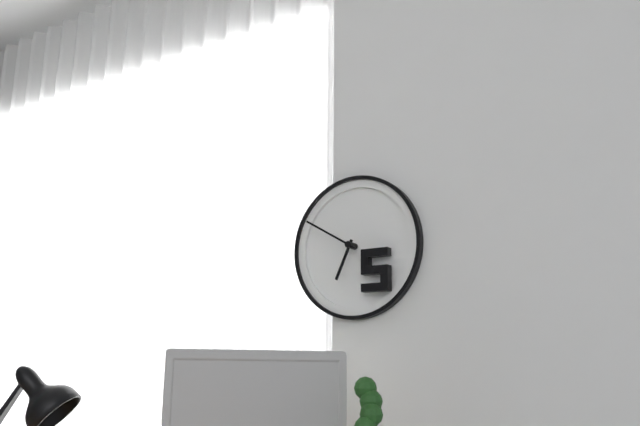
6:50
